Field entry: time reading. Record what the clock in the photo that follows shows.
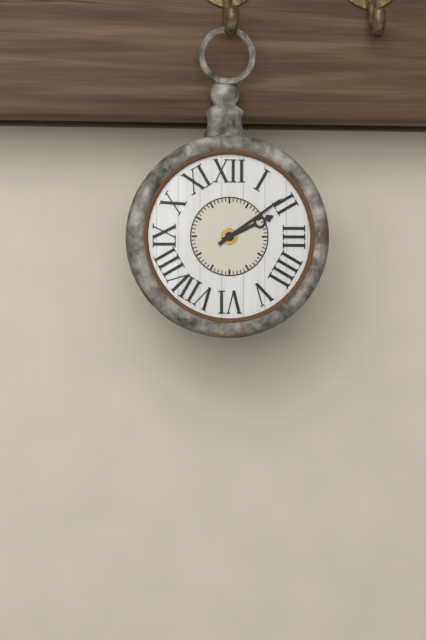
2:09
